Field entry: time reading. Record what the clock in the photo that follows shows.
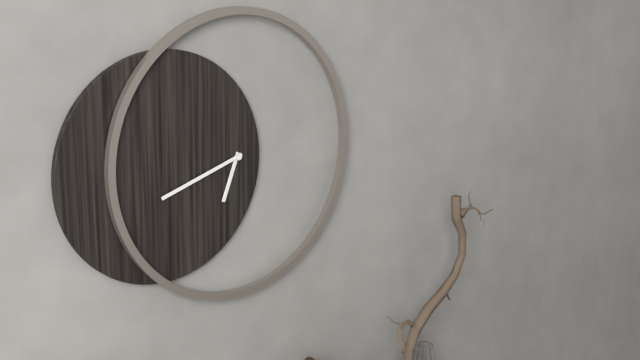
6:42
